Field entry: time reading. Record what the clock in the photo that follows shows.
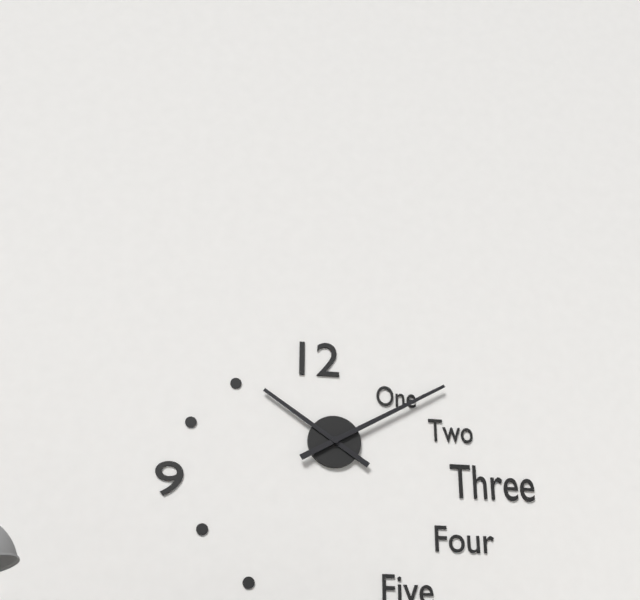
10:10
